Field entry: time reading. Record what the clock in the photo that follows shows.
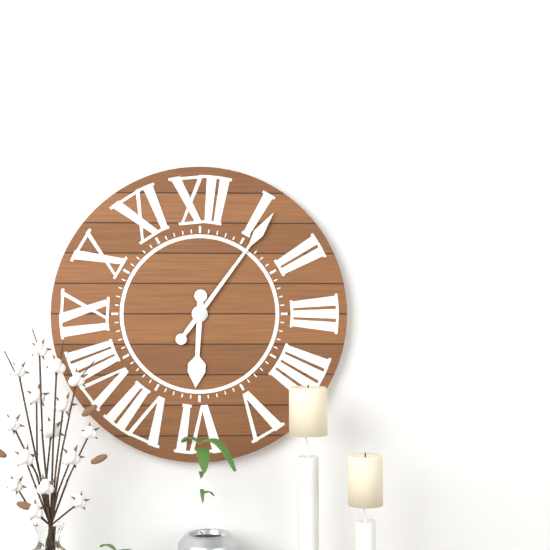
6:06
